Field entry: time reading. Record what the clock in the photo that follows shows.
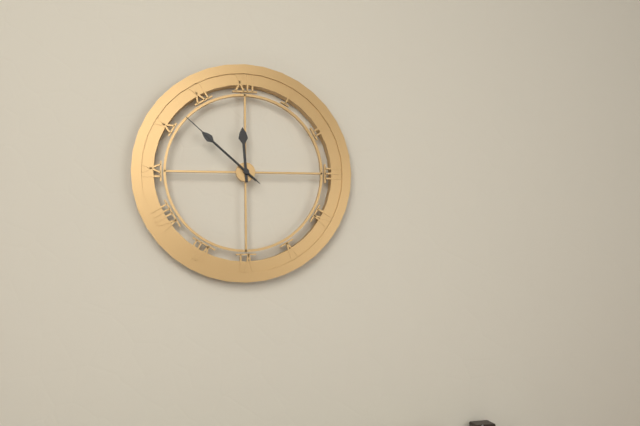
11:52:52
